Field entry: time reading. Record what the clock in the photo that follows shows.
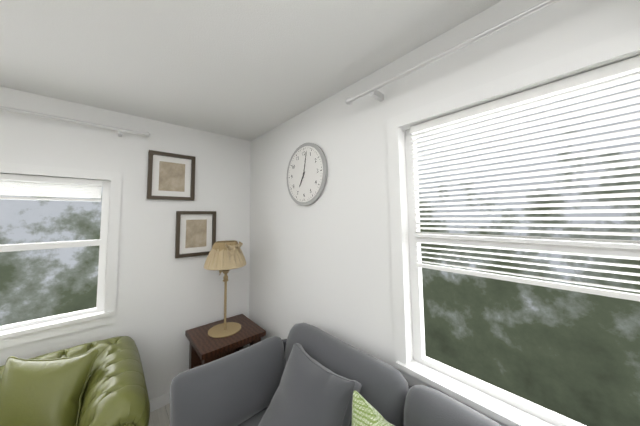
7:02
